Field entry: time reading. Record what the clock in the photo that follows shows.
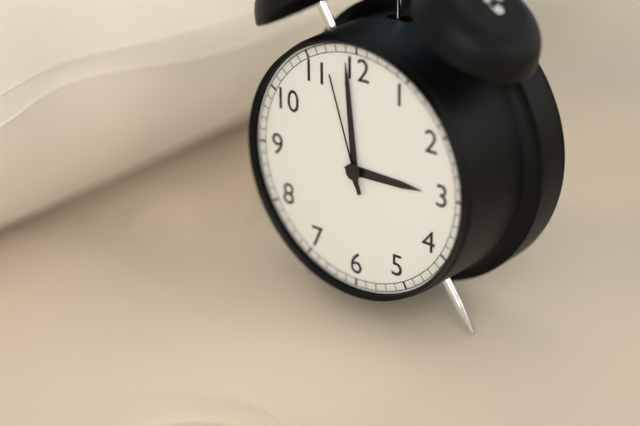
2:59:57
